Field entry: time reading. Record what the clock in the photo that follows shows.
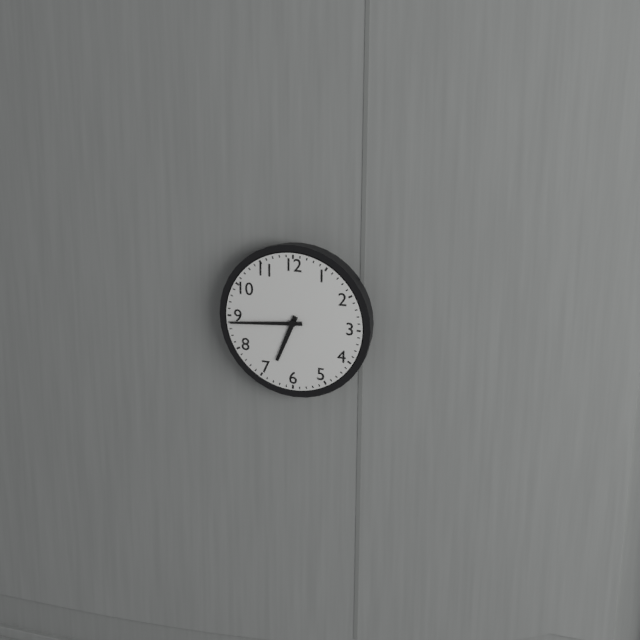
6:44
